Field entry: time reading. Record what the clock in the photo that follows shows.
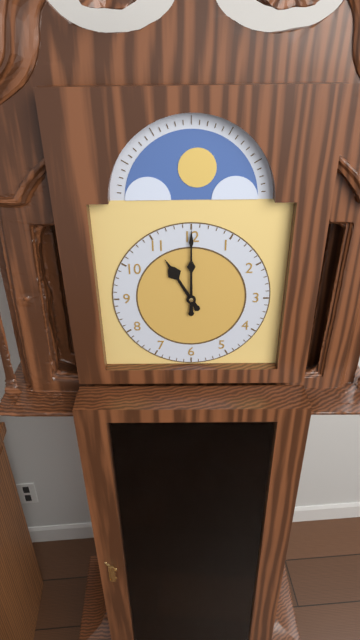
11:00
